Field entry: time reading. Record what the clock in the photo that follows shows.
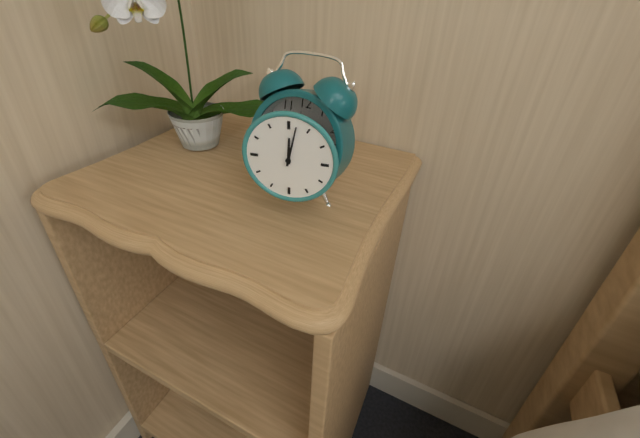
12:02
